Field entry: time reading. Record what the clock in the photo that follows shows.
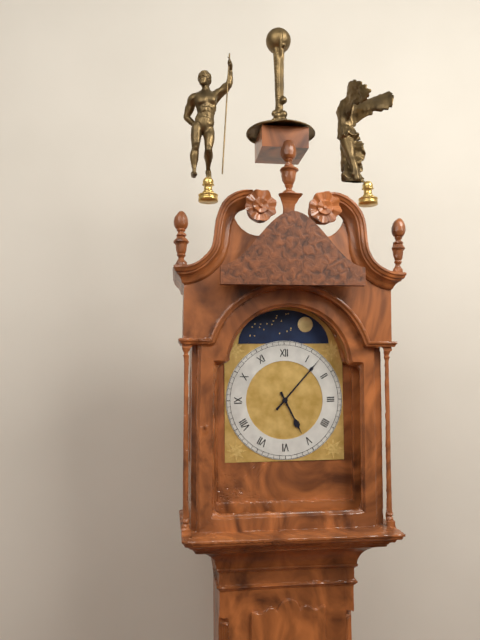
5:07
